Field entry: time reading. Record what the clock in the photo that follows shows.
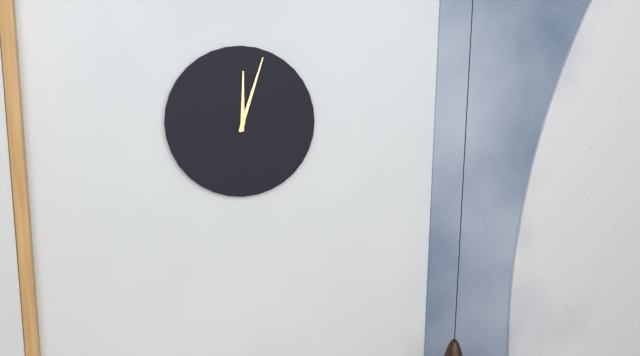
12:03
